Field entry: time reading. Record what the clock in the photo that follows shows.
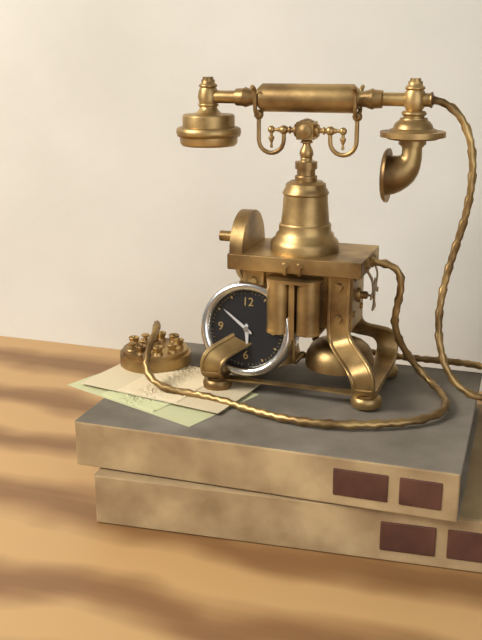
5:51
